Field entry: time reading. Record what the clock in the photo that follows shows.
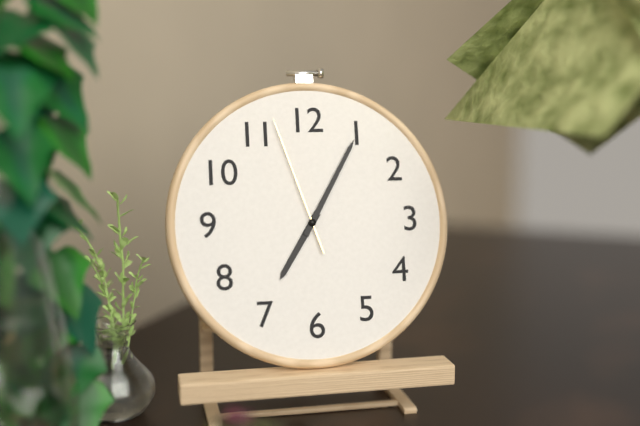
7:05:57
